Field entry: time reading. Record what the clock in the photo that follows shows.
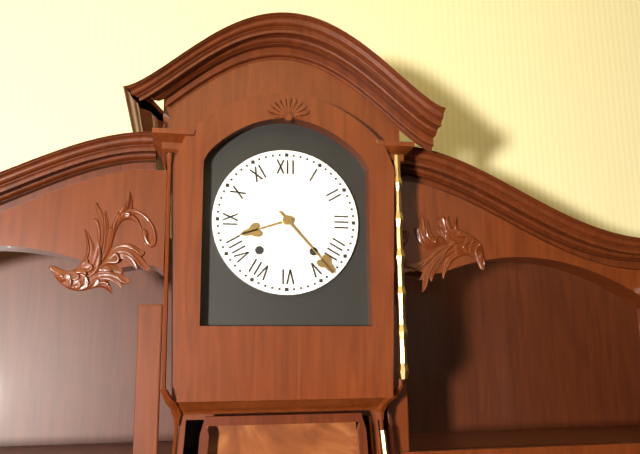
8:23
